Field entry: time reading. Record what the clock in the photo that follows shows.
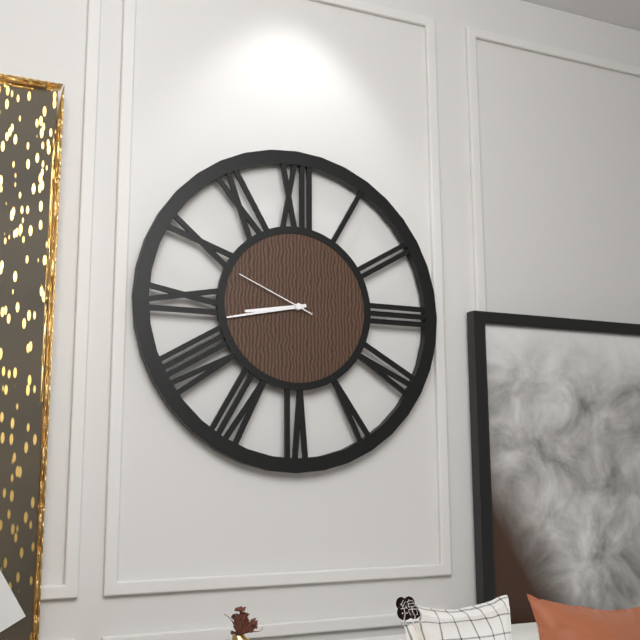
8:43:49
